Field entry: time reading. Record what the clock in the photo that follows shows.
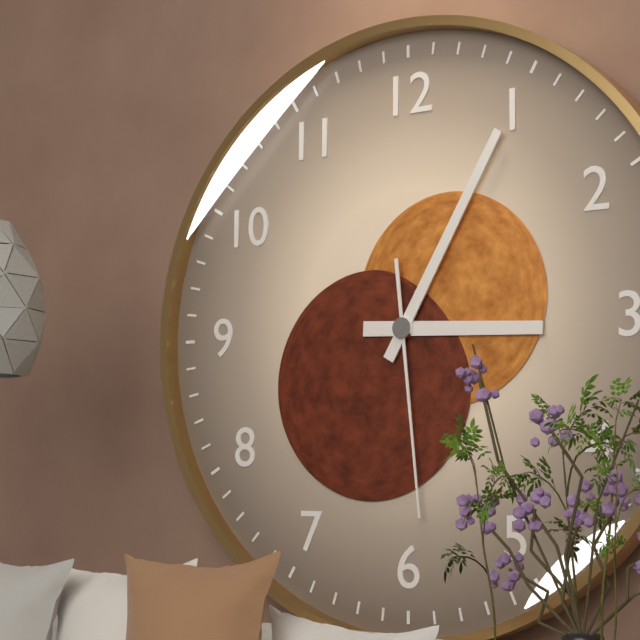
3:05:29
